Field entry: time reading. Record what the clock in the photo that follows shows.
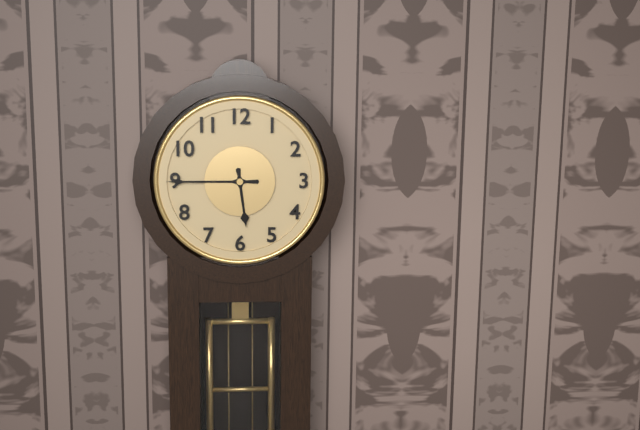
5:45
